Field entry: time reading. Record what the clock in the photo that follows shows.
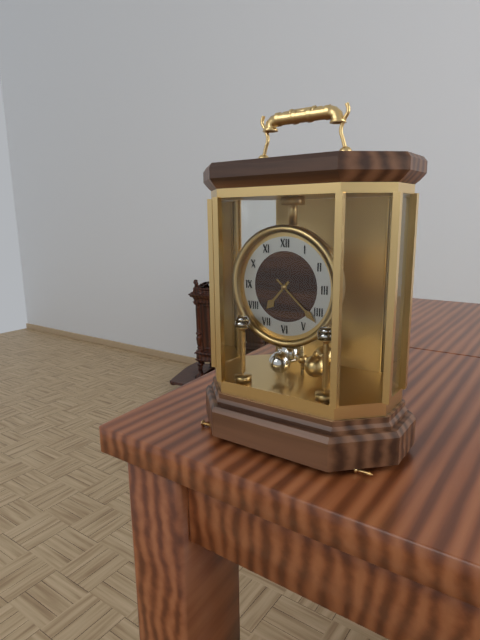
7:22
